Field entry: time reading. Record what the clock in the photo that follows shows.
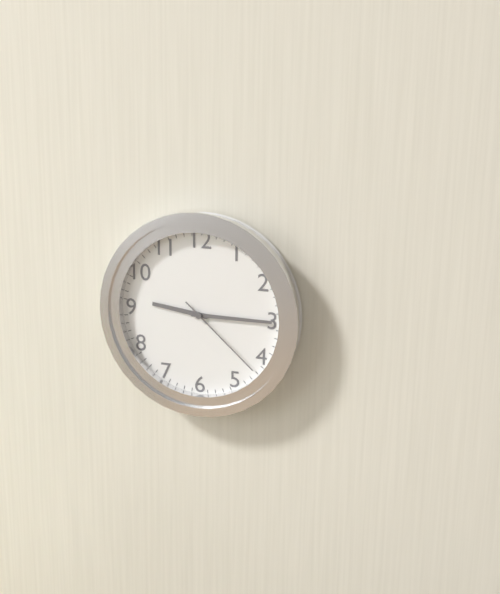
9:15:22
